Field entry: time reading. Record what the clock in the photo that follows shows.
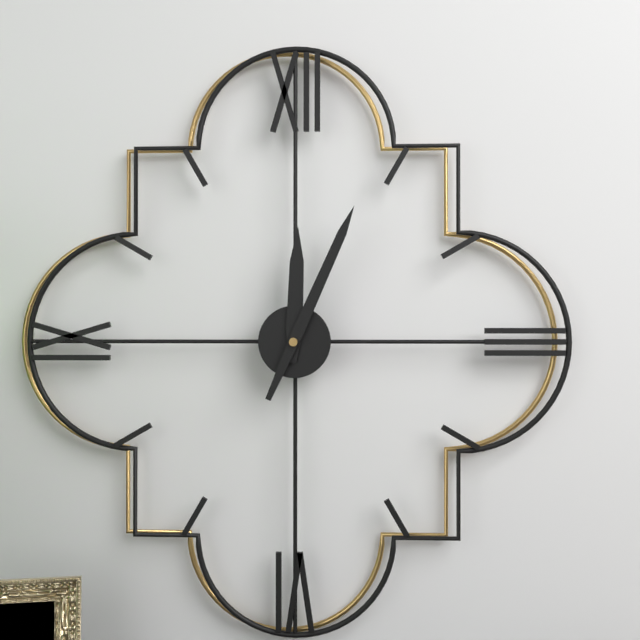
12:04
